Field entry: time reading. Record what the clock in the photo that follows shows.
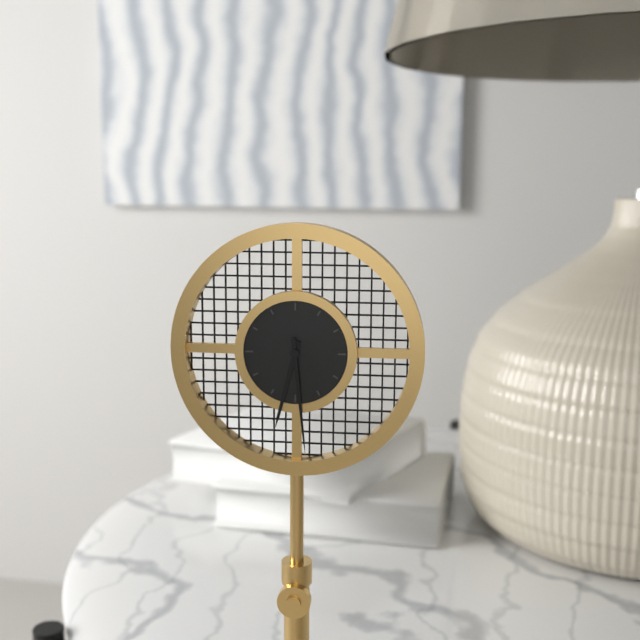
6:29
